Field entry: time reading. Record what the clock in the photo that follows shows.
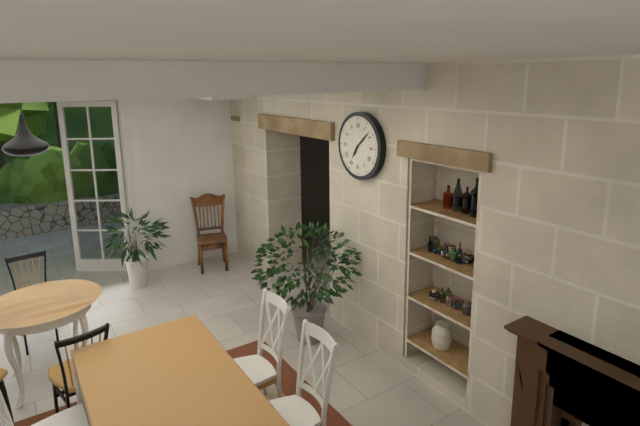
7:08
